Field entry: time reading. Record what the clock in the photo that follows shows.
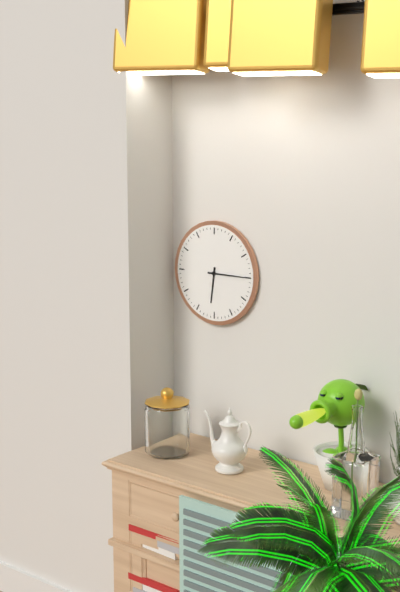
6:15
